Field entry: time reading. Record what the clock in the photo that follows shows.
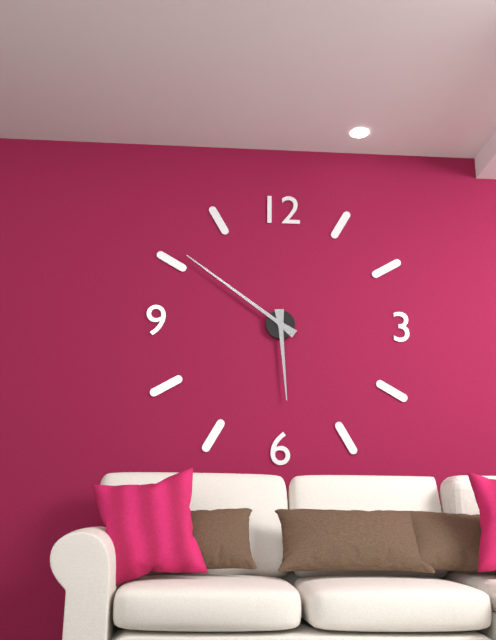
5:51
